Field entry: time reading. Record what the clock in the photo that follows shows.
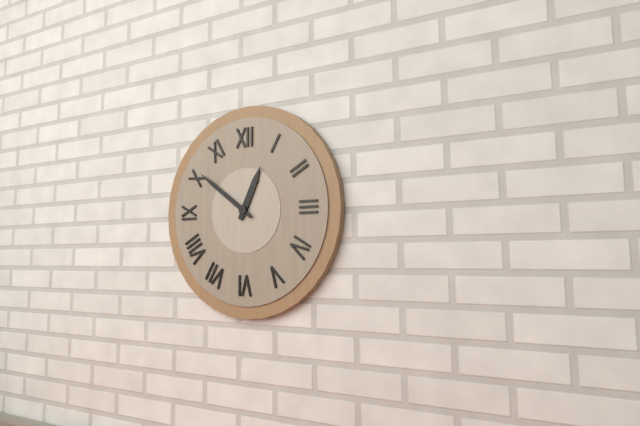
12:51
